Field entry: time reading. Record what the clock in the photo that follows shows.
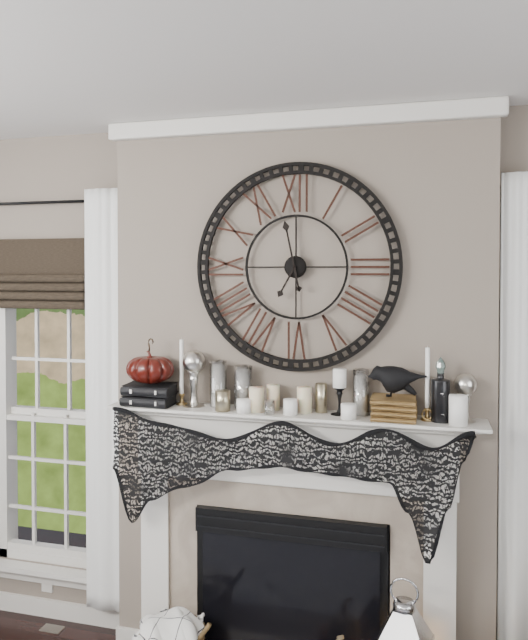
6:58
